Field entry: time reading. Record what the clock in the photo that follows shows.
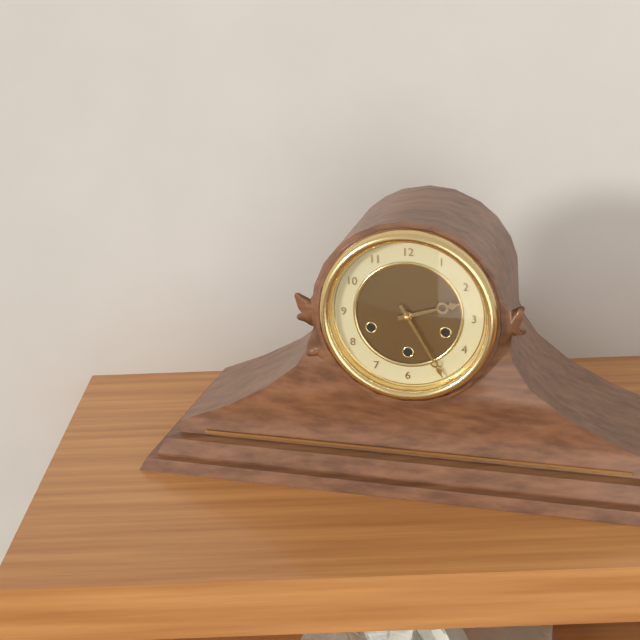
2:25
